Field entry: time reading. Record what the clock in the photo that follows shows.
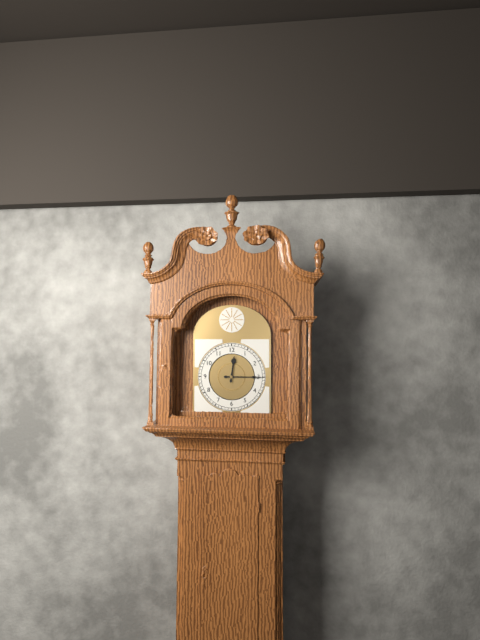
12:15
